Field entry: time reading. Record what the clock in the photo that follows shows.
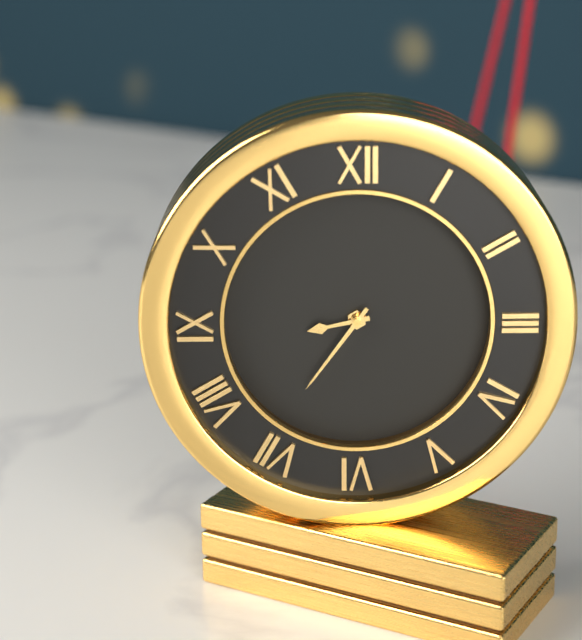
8:36
